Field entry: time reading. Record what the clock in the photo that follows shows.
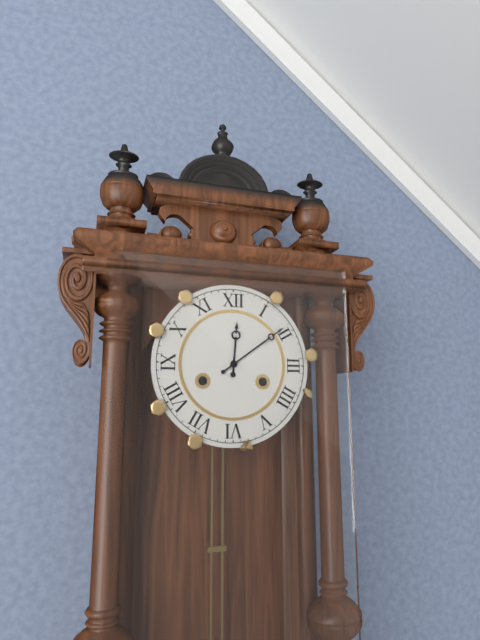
12:09
